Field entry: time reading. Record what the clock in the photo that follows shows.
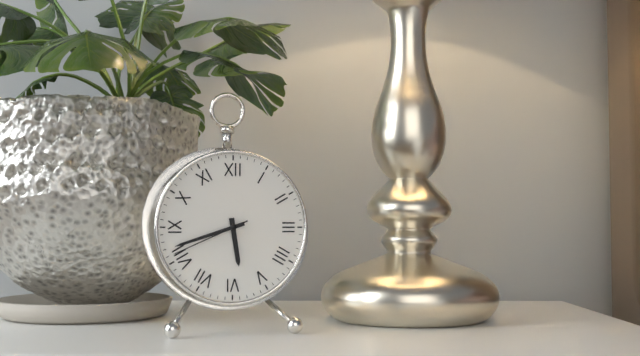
5:42:41
